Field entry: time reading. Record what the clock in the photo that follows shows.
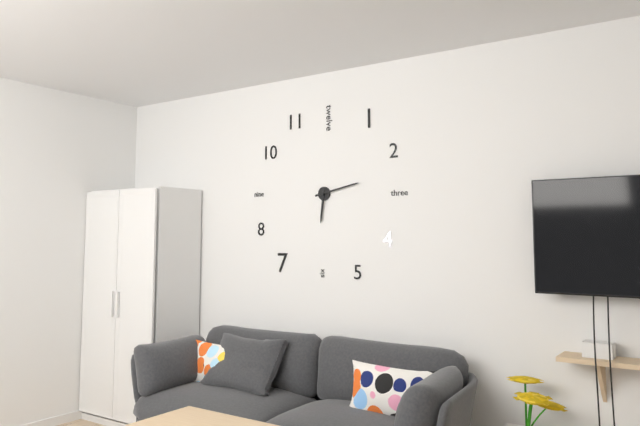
6:13
